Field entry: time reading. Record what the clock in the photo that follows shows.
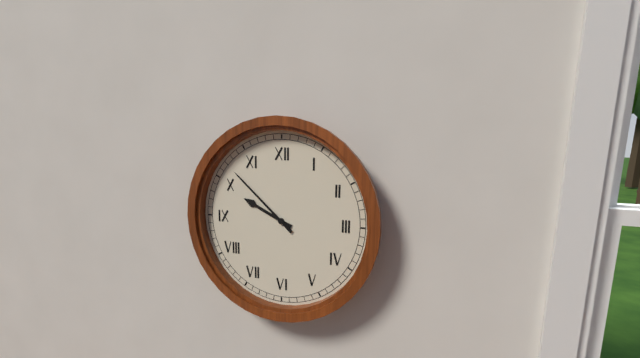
9:52
